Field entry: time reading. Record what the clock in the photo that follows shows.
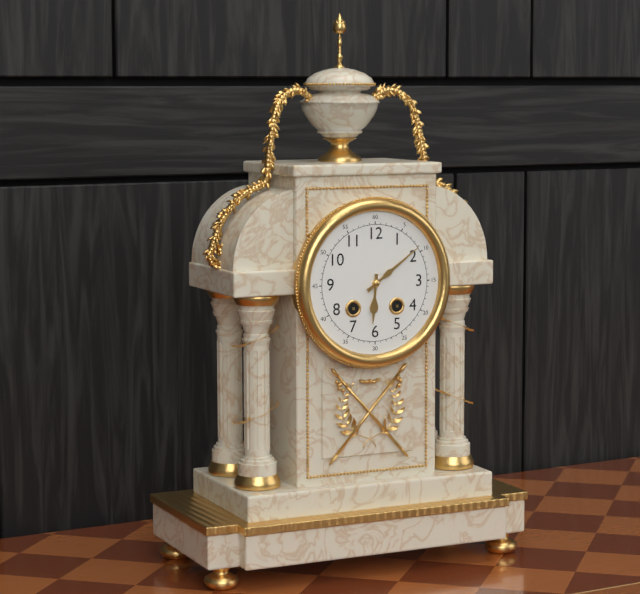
6:09
